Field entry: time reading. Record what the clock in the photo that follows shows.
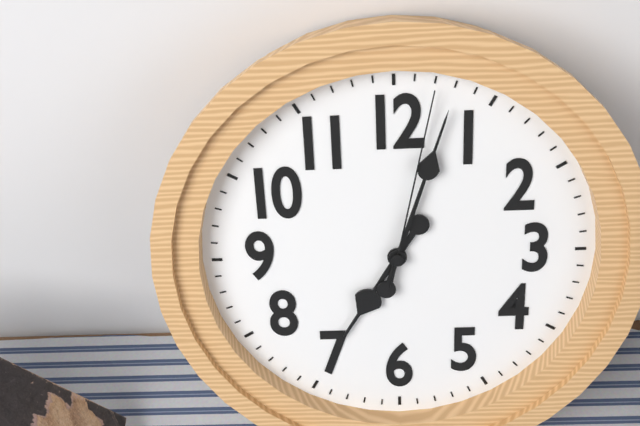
7:03:02
